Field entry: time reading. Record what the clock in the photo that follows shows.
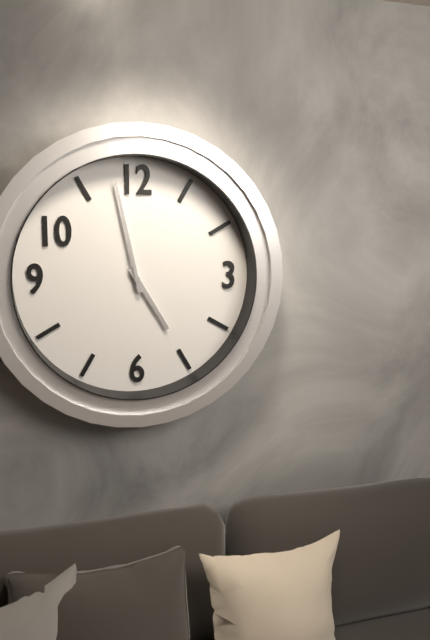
4:58
